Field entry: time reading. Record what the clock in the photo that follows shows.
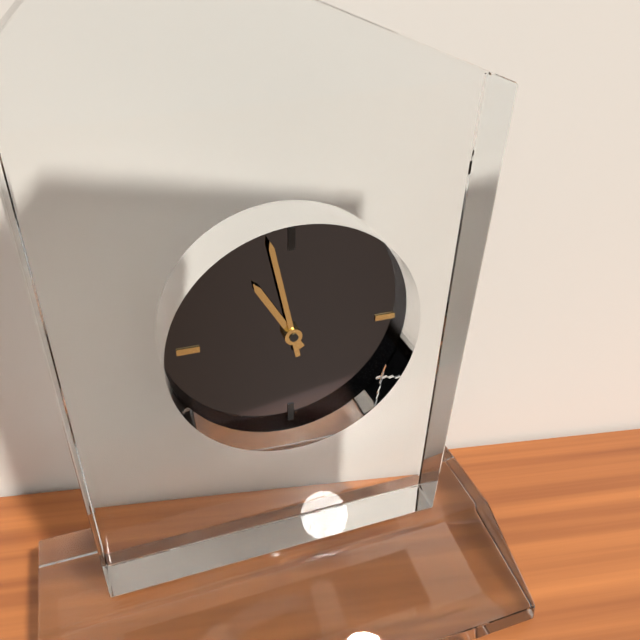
10:58
